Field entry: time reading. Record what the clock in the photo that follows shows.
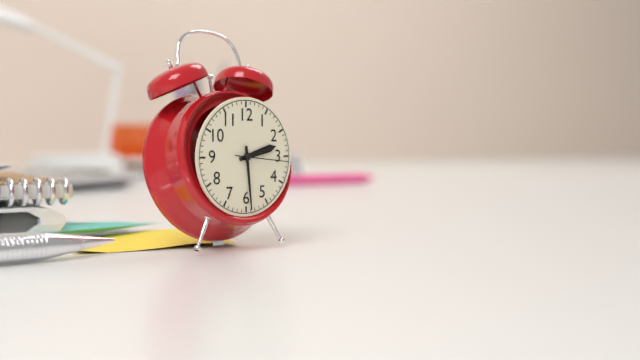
2:29:16
